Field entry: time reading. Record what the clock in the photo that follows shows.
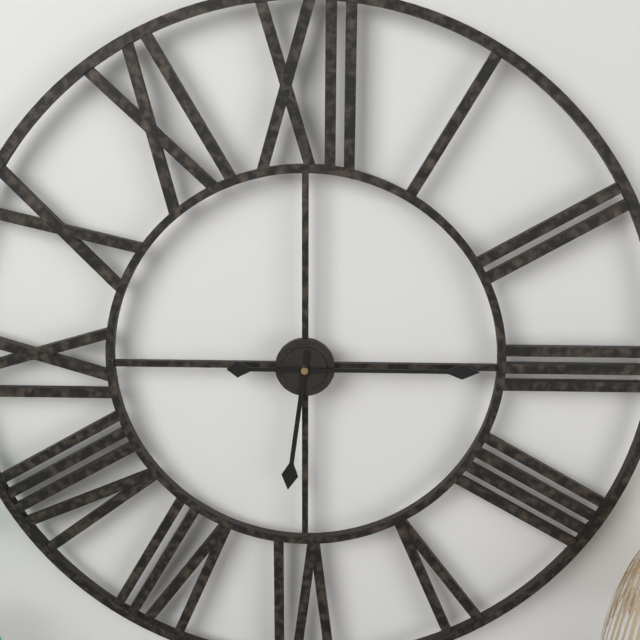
6:15
